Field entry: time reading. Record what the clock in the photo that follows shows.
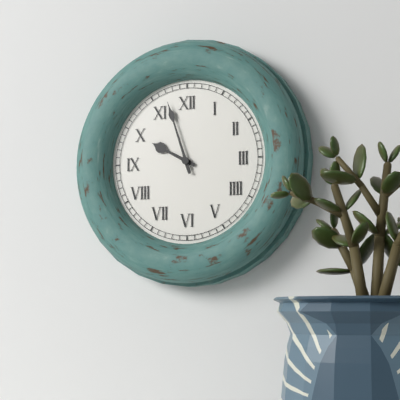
9:57
